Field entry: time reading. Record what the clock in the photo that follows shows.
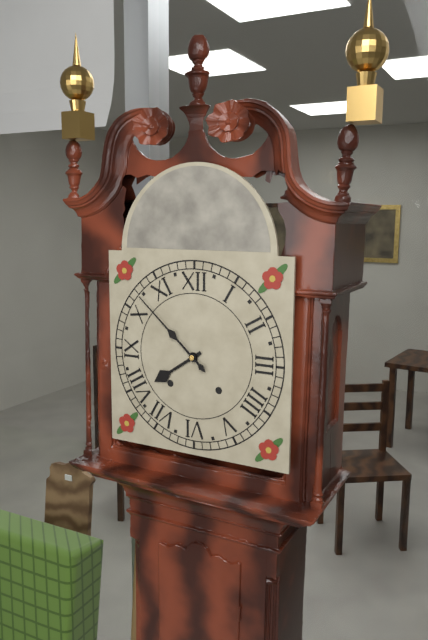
7:52
